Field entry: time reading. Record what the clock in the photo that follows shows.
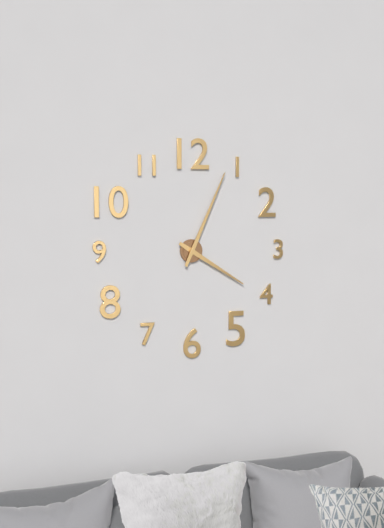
4:04
